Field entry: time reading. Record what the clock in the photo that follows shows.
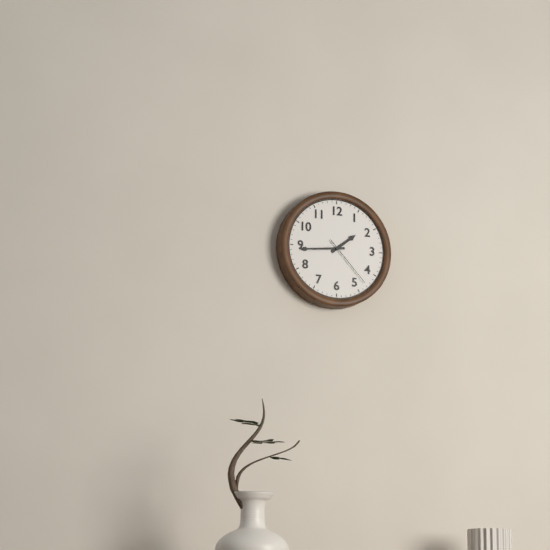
1:44:23
